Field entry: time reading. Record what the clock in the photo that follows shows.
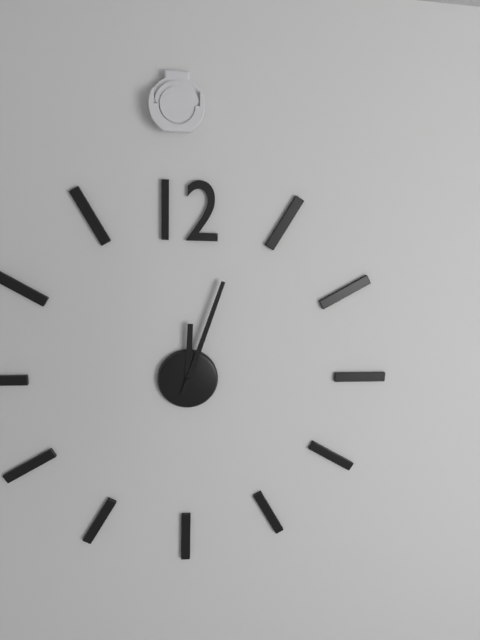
12:03
